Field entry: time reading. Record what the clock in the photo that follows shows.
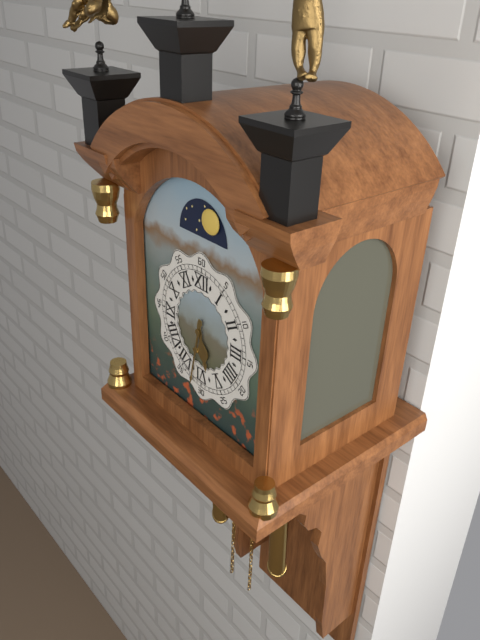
5:32
